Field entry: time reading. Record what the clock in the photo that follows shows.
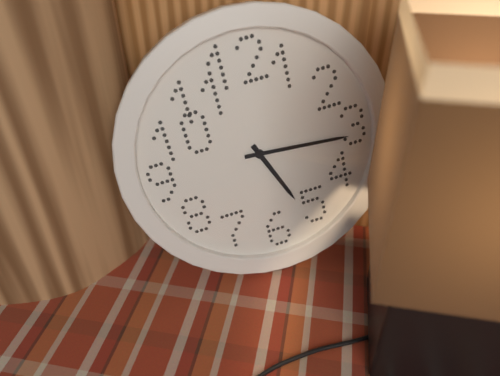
5:16
